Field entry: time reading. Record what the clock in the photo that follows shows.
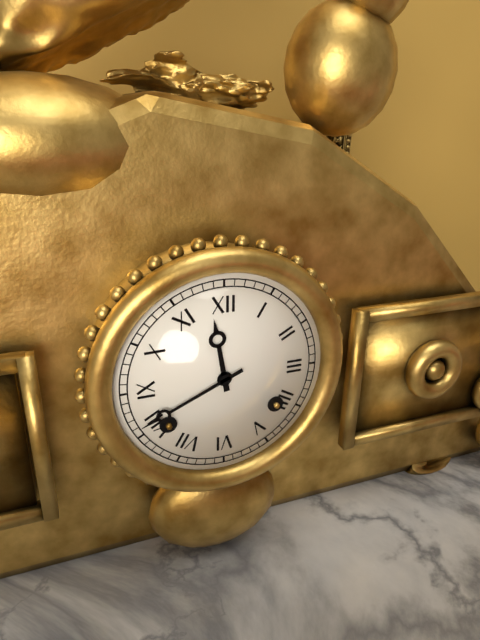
11:41
